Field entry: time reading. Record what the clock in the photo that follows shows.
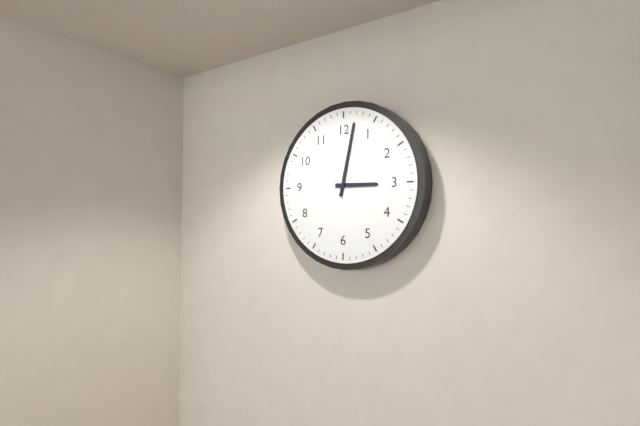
3:02
